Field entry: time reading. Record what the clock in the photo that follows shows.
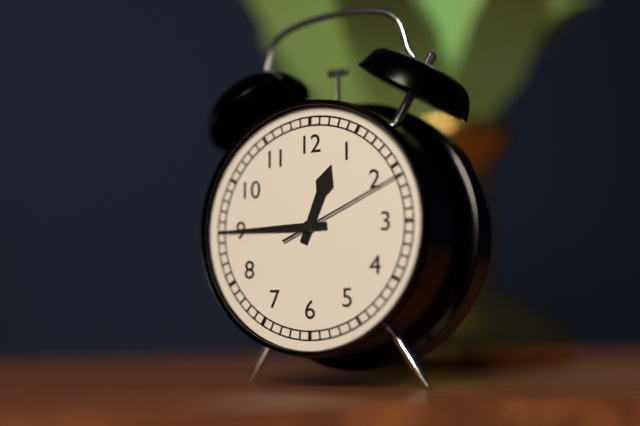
12:45:11
